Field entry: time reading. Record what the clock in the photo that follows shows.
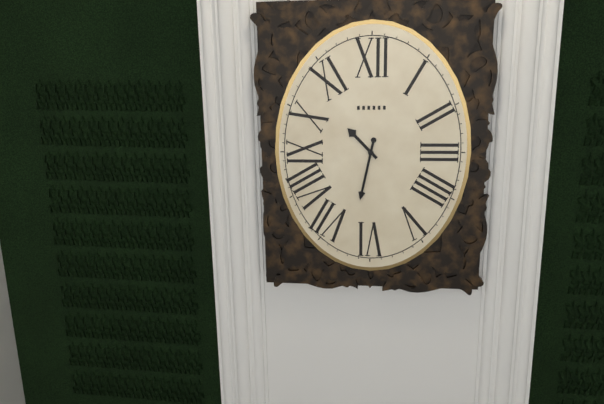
10:32
